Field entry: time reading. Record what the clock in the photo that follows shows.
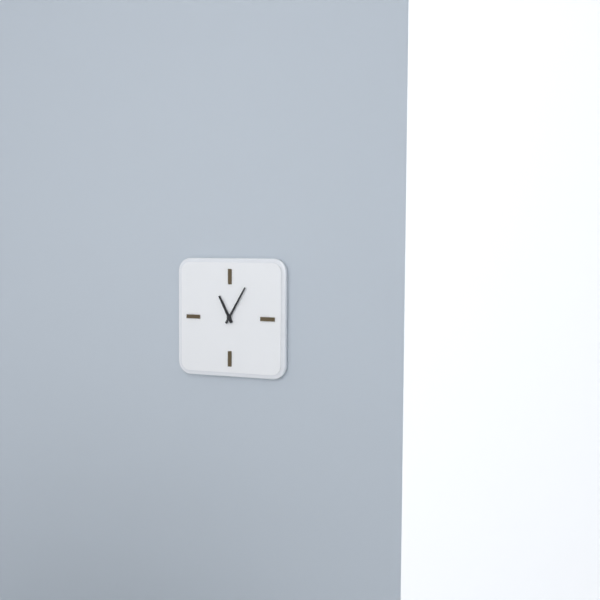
11:05
